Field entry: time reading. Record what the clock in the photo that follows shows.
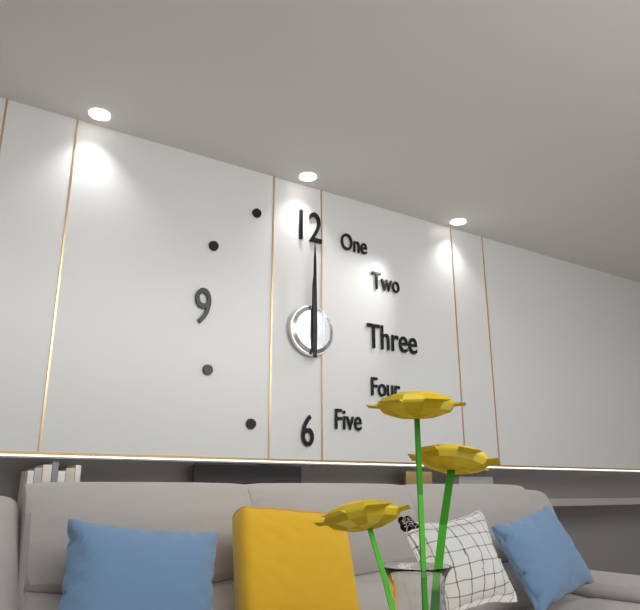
12:00
